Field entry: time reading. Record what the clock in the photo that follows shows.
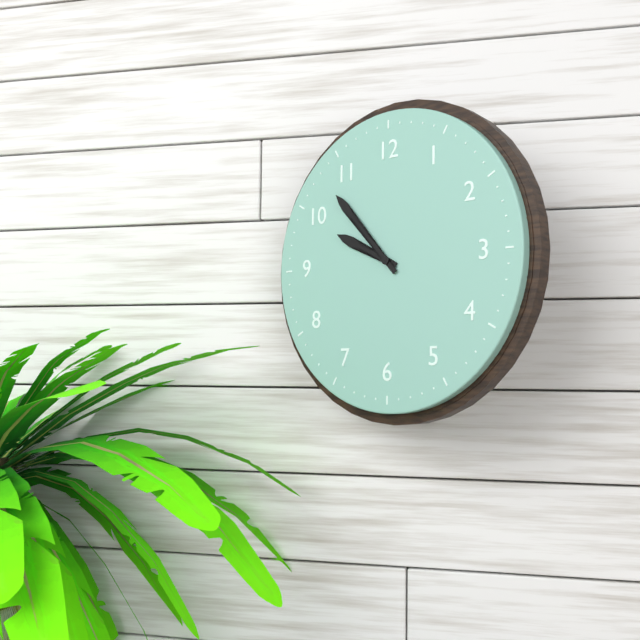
9:53
